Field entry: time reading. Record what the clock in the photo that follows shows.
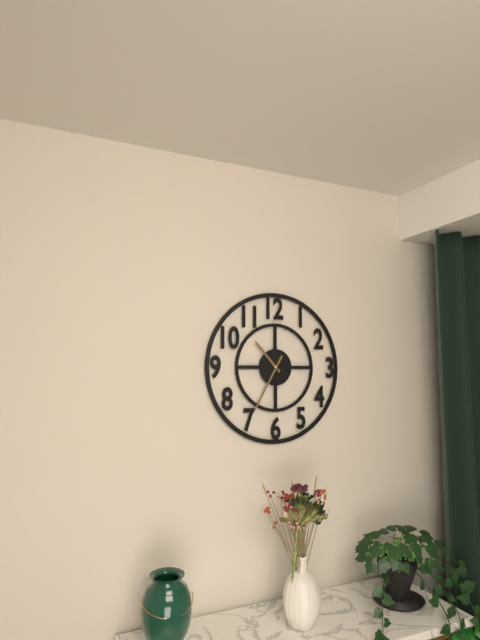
10:35
